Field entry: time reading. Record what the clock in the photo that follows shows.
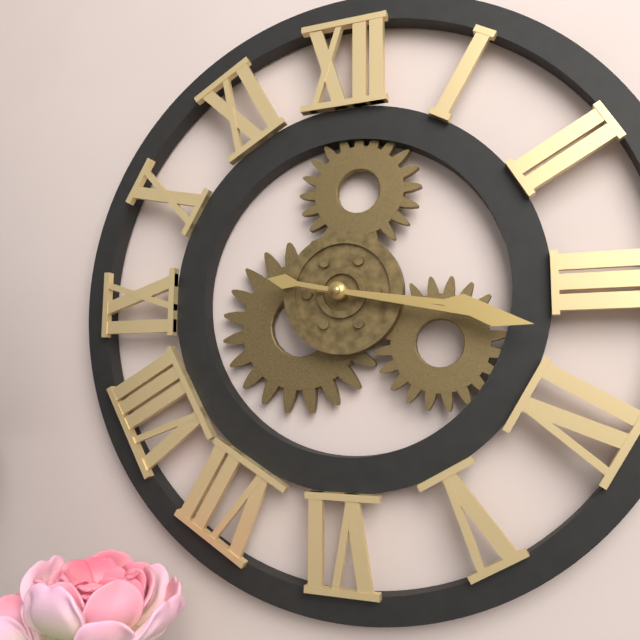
3:17
